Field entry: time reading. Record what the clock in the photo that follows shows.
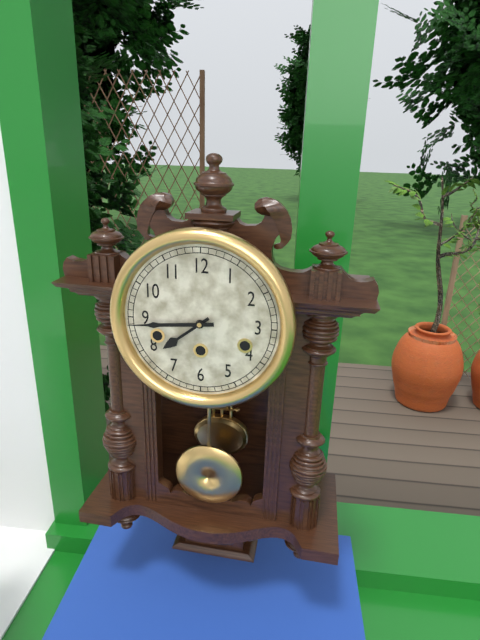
7:44
